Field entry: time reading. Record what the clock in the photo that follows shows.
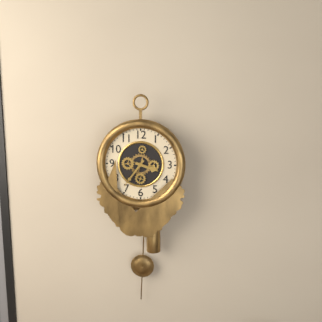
3:36
